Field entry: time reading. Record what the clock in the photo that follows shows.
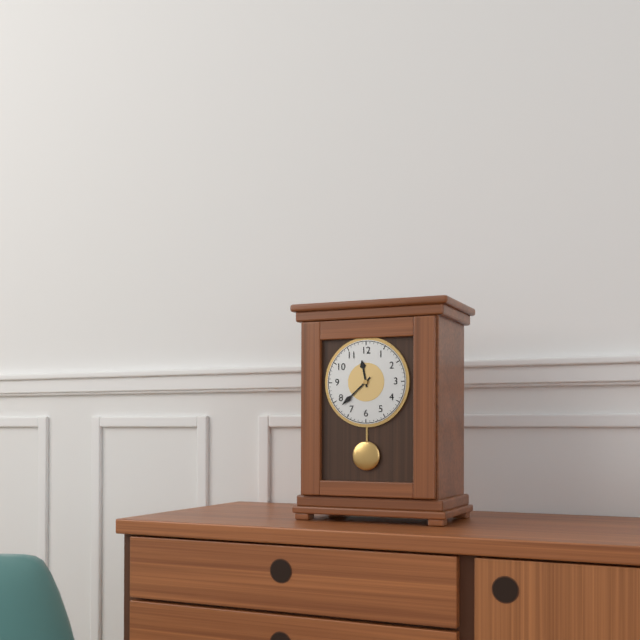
11:38
